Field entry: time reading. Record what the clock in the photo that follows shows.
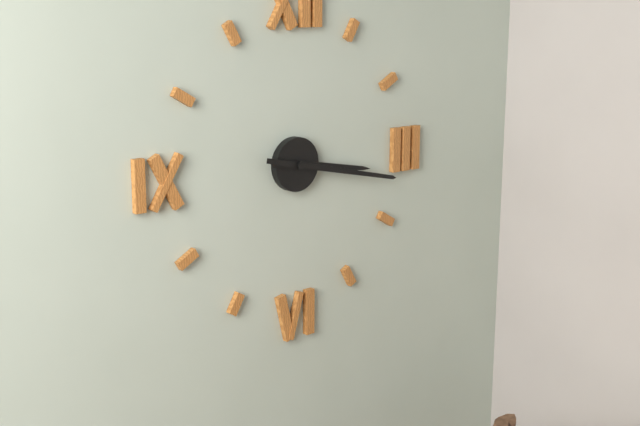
3:17
